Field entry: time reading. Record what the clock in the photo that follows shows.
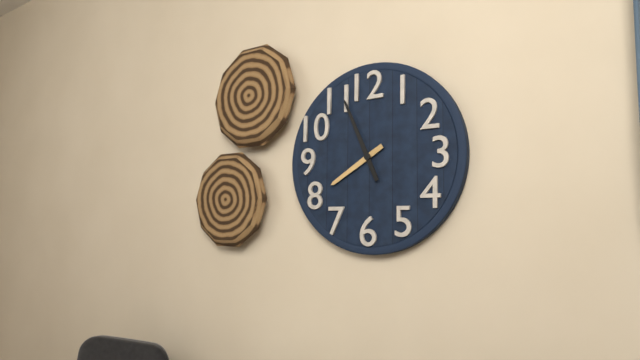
7:56
